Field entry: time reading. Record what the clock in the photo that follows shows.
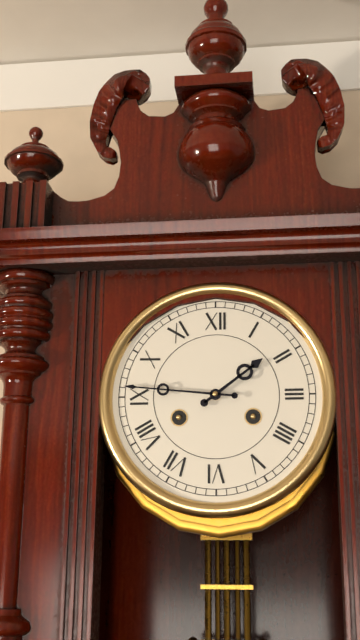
1:46
